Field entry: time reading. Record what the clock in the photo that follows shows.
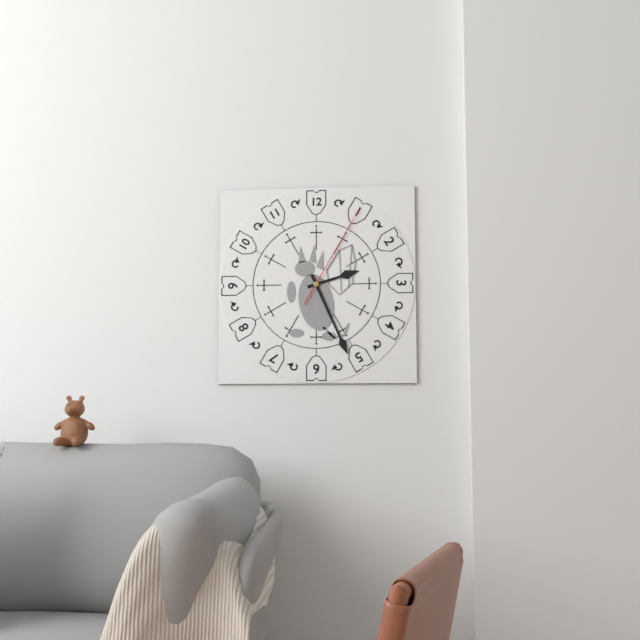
2:26:05
